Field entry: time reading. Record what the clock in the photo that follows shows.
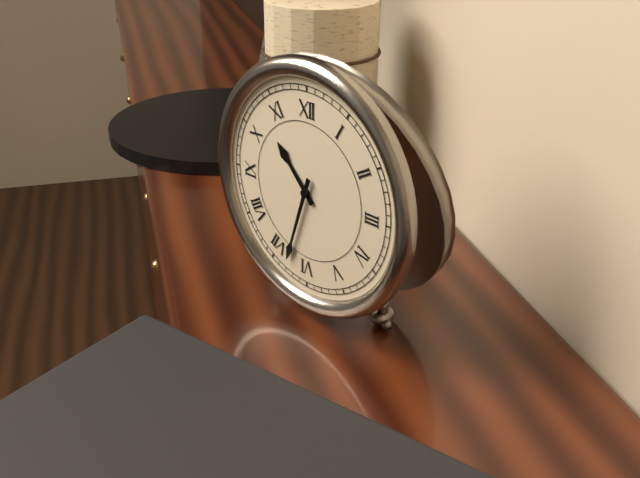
10:33
